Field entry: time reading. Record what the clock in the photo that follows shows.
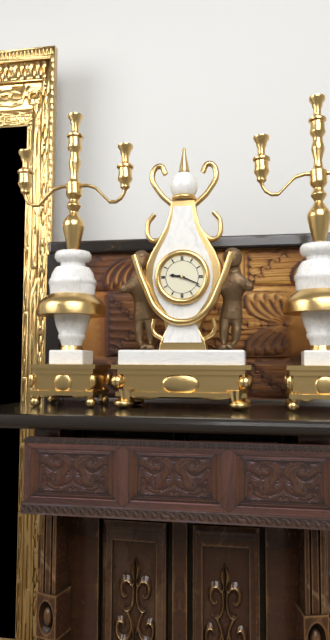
9:19
